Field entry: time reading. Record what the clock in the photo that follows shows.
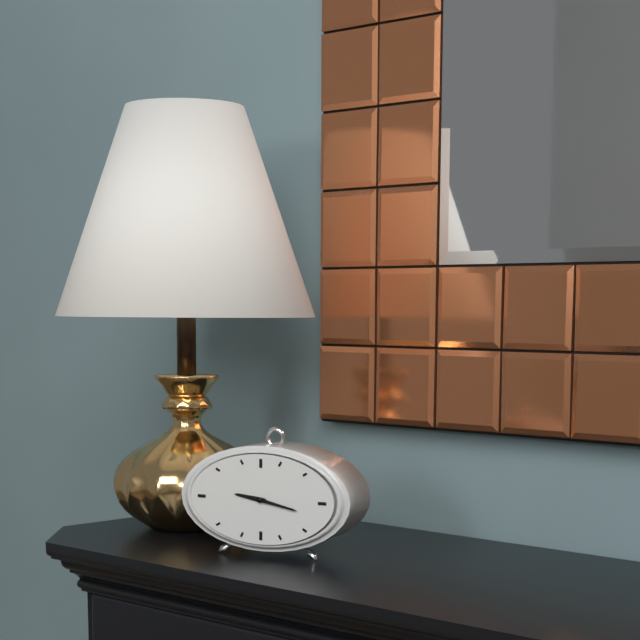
9:17
